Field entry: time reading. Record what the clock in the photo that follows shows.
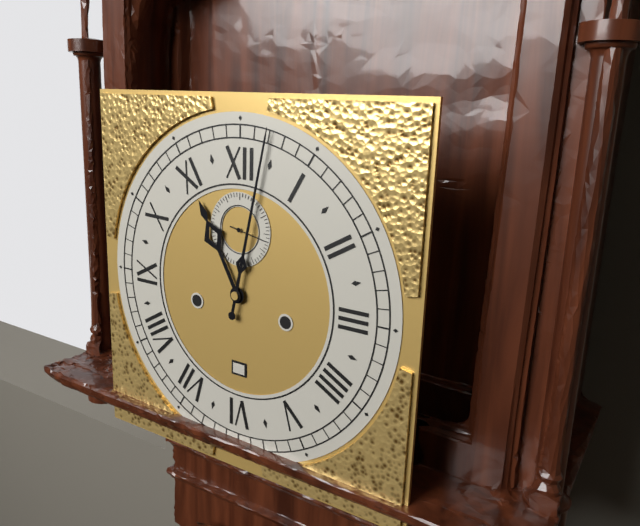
11:02
